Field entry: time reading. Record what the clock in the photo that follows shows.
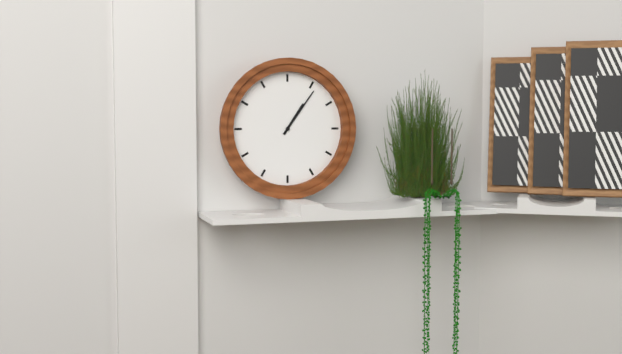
1:06
